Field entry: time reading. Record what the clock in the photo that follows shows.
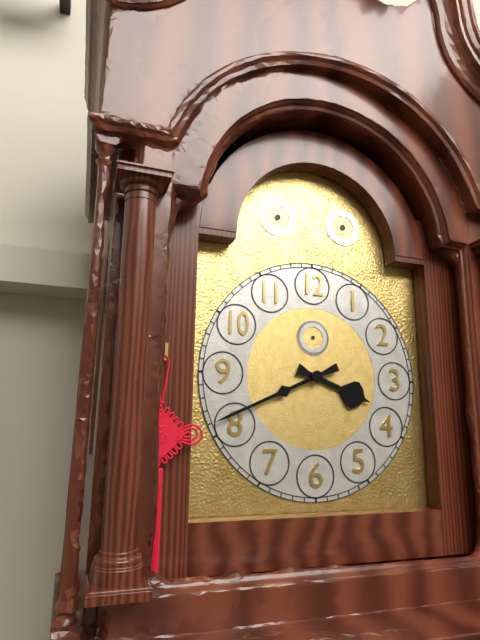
3:41
